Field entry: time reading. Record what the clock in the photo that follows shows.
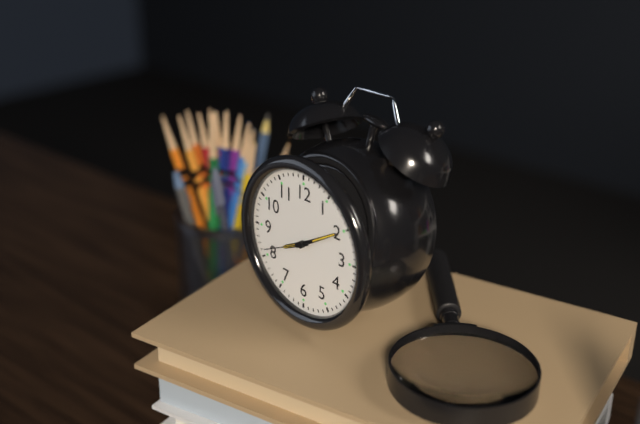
8:10
